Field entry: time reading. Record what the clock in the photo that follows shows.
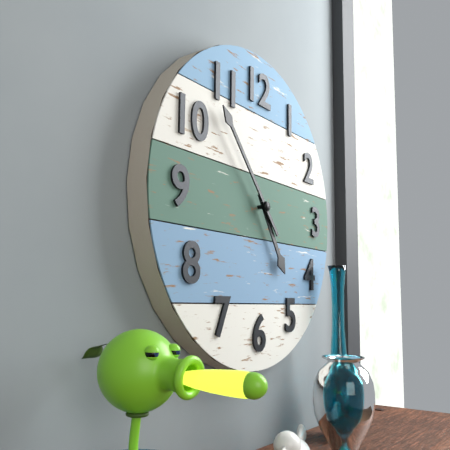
4:53
